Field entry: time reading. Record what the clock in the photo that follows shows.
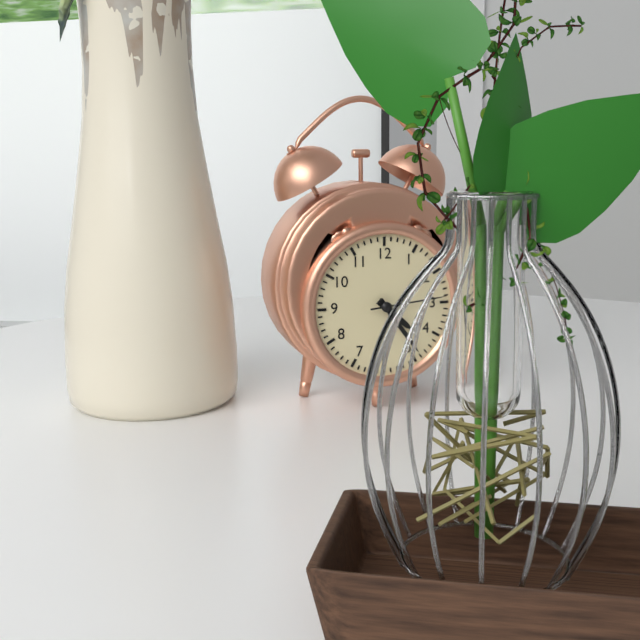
4:24:14
